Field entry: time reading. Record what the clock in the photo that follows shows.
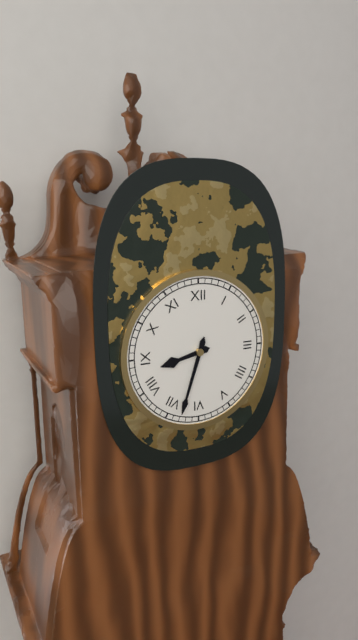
8:33
